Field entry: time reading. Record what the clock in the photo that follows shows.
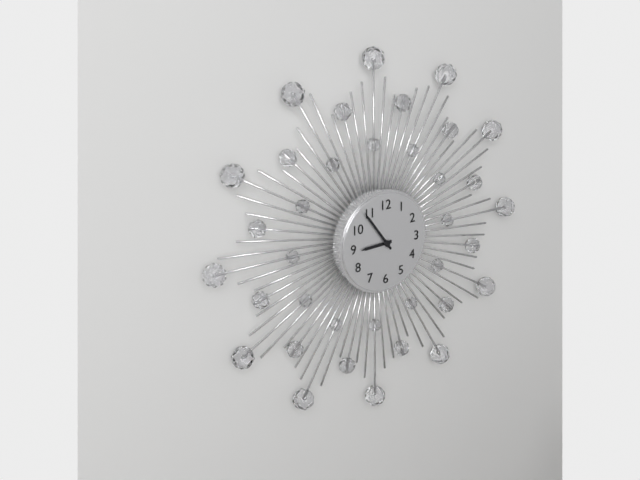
8:54
